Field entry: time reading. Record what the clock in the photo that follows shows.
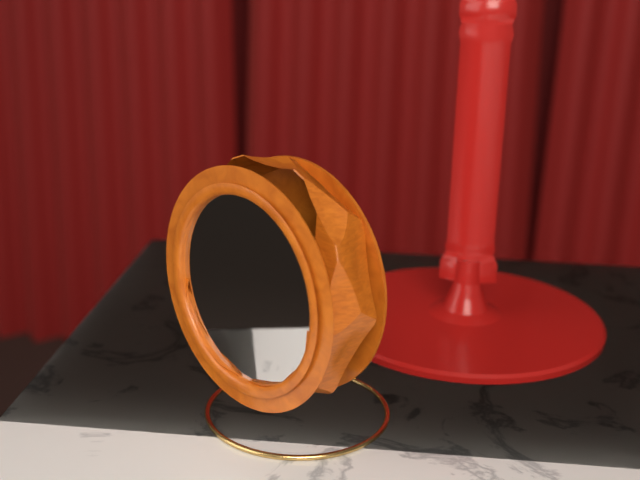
8:02:21
